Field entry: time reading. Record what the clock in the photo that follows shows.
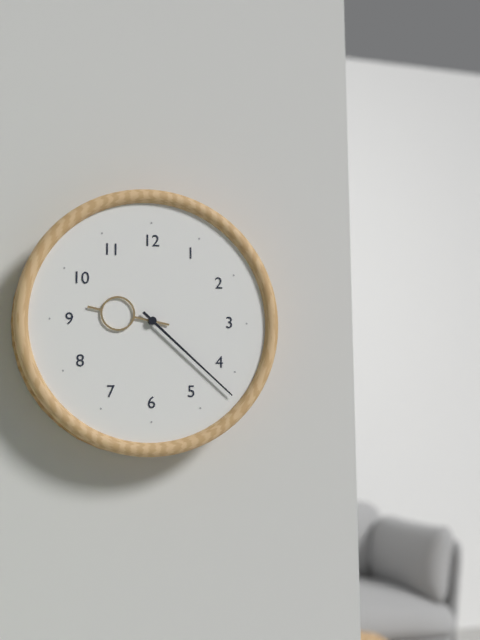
9:22
